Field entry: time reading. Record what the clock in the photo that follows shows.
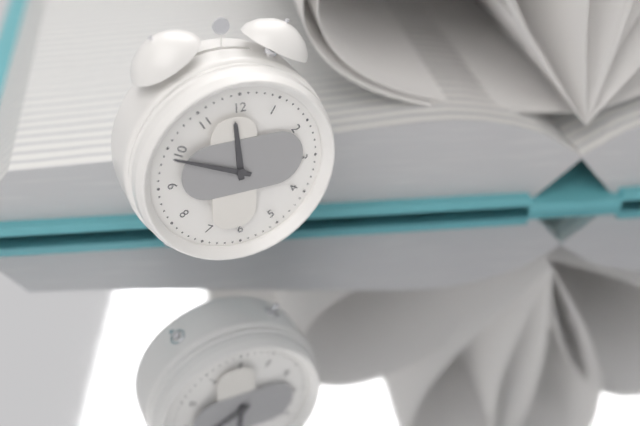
11:49
